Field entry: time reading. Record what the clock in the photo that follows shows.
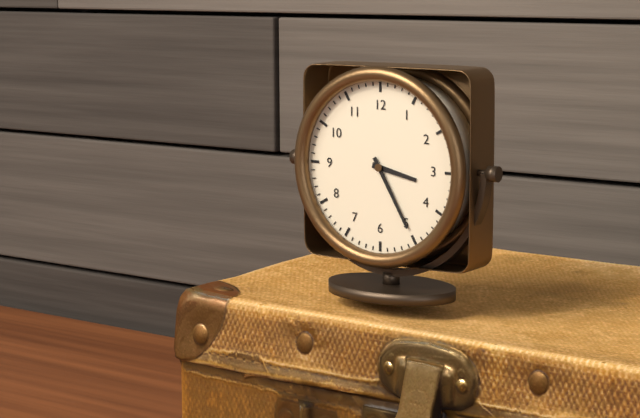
3:25
